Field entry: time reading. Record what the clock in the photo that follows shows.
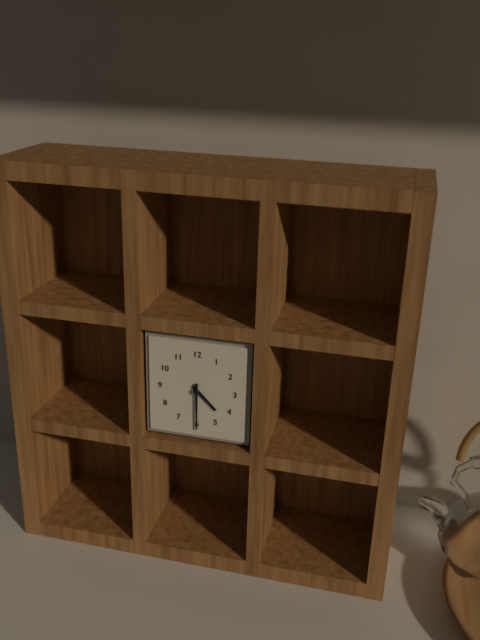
4:30
